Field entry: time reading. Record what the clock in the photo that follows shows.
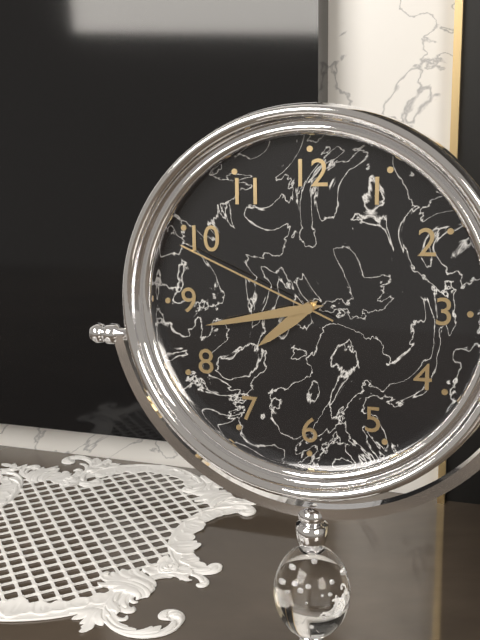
7:43:49
